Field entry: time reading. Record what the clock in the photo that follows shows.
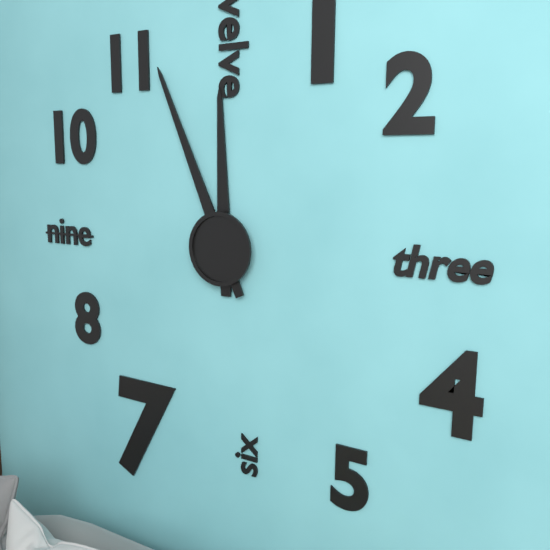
11:56
